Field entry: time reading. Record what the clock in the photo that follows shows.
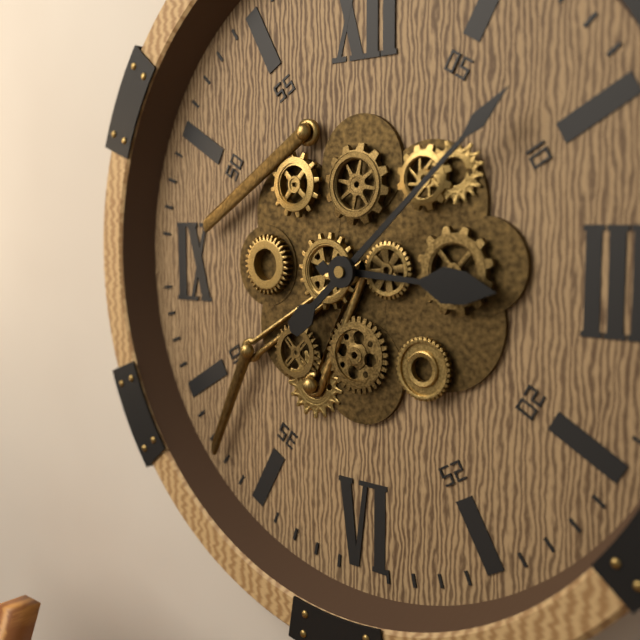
3:08
